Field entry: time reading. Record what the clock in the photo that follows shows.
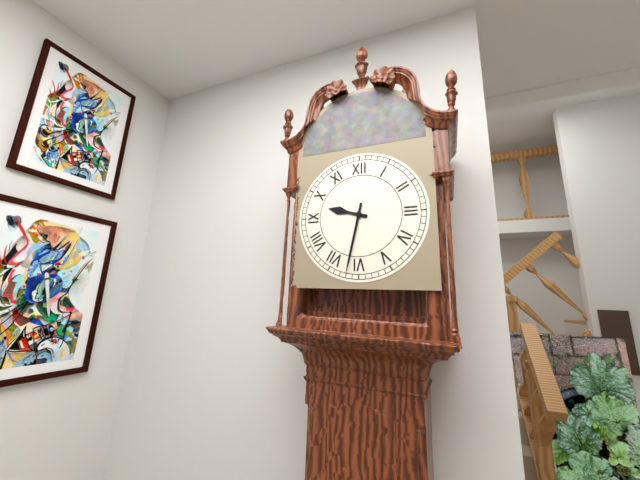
9:32
